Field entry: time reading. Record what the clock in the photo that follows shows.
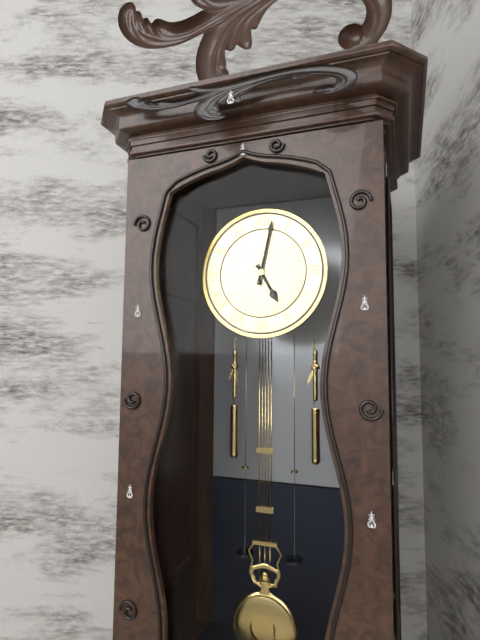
5:02
